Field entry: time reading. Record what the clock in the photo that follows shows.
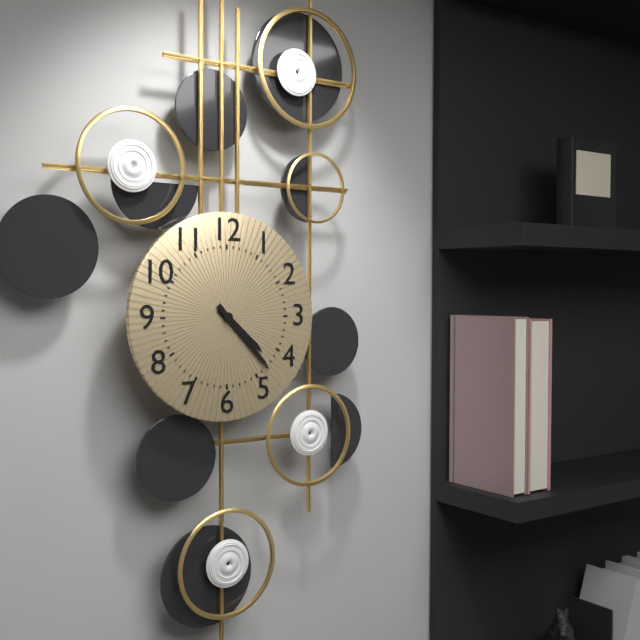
4:23
